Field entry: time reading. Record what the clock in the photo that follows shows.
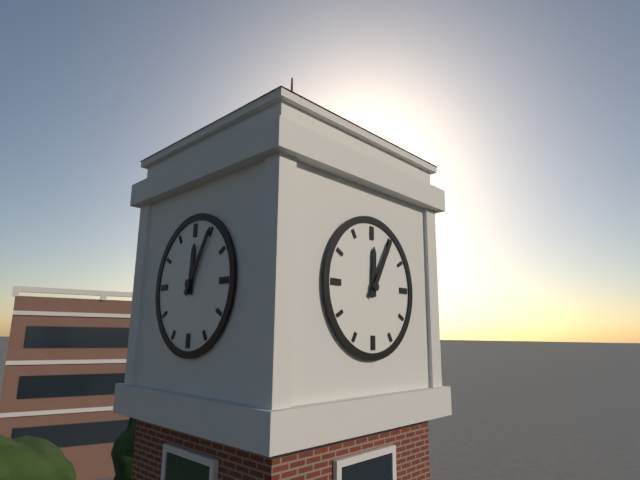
12:05
